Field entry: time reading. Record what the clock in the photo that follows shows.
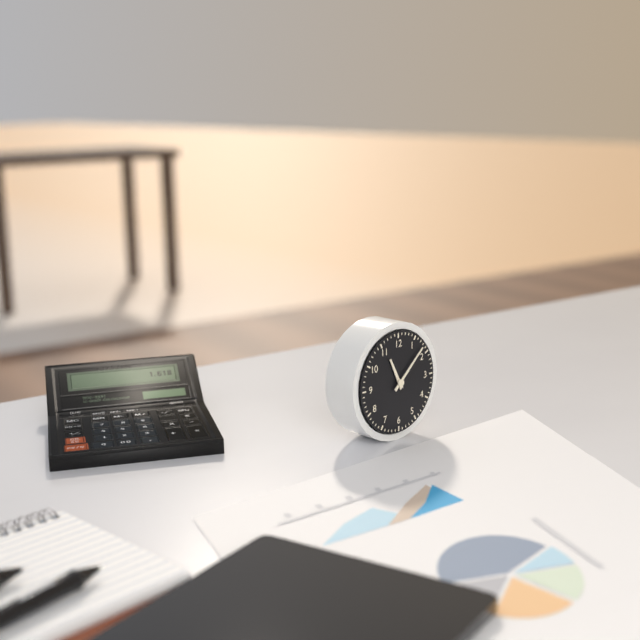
11:08
